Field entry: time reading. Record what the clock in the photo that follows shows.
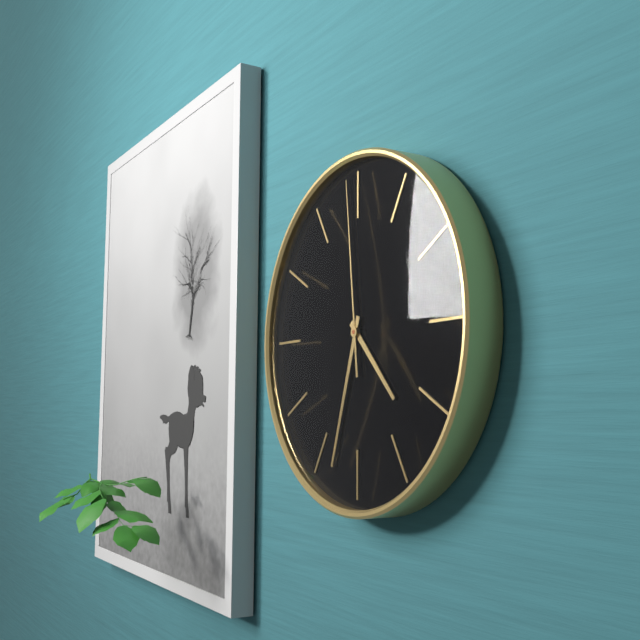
4:33:59
